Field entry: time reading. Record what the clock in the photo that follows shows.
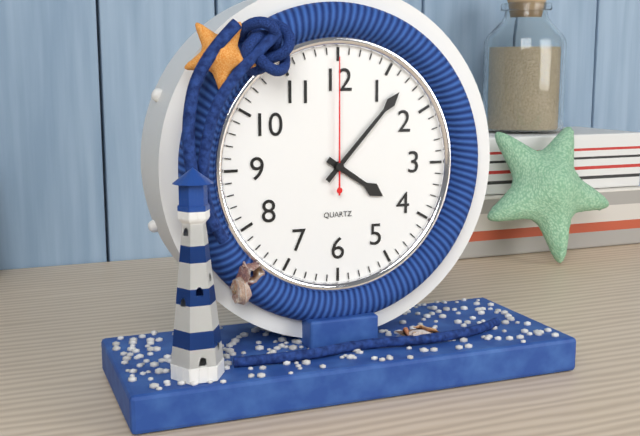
4:07:00
